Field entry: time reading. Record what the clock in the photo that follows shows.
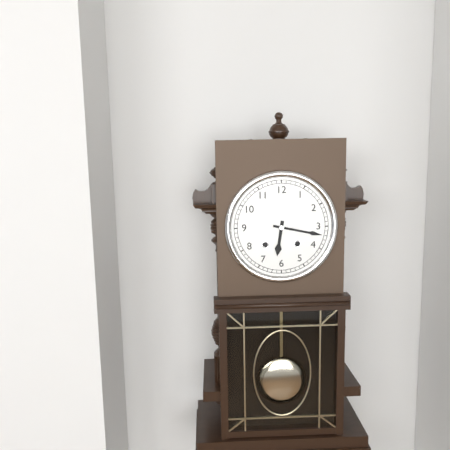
6:17
